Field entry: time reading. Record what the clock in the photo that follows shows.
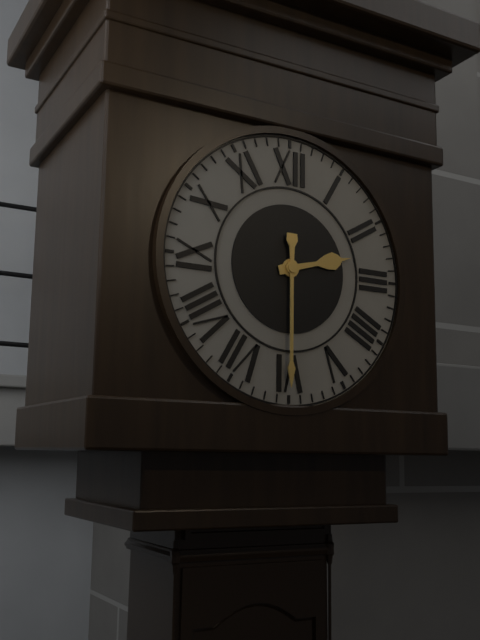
2:30
